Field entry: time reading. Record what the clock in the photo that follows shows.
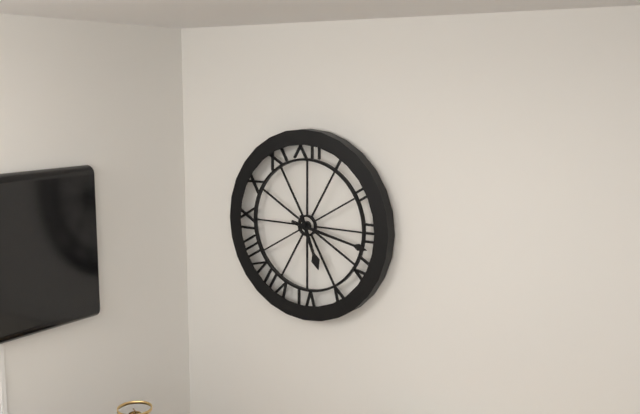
5:17
